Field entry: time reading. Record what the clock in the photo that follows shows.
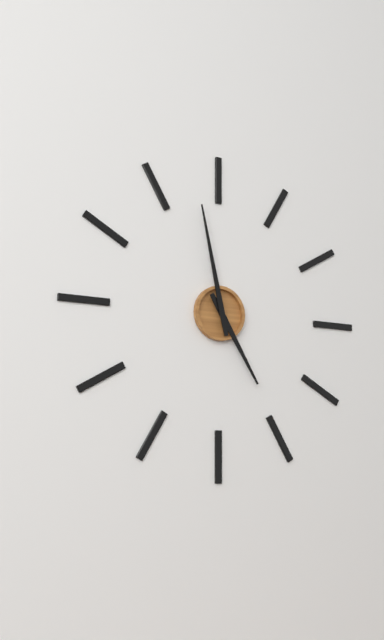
4:58
